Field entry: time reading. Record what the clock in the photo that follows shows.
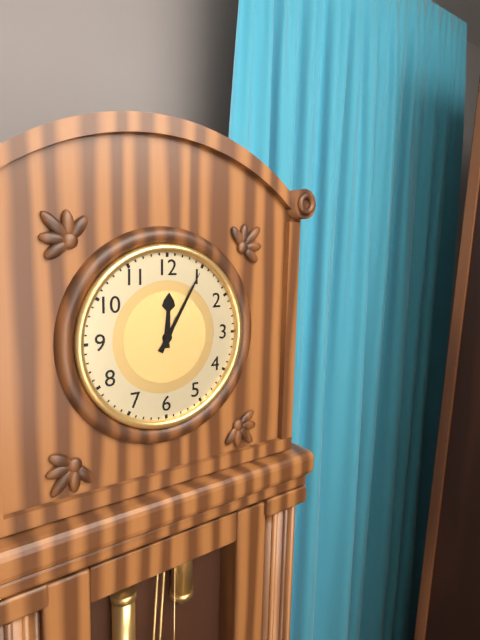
12:05
